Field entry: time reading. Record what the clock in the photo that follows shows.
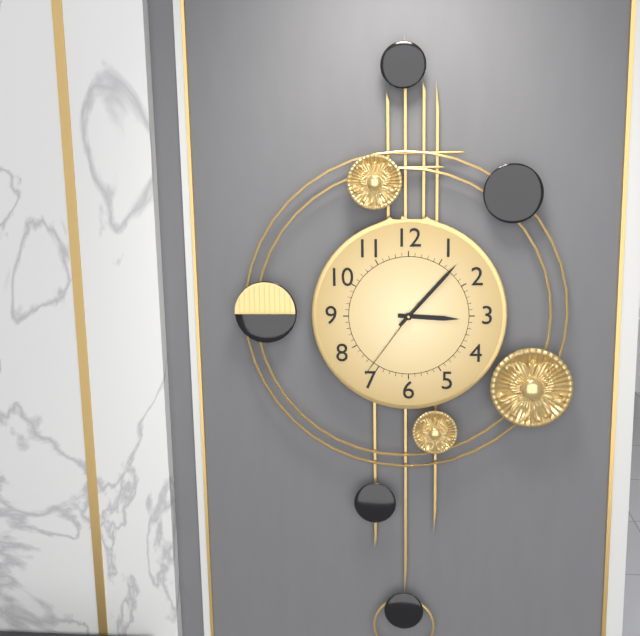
3:07:36
